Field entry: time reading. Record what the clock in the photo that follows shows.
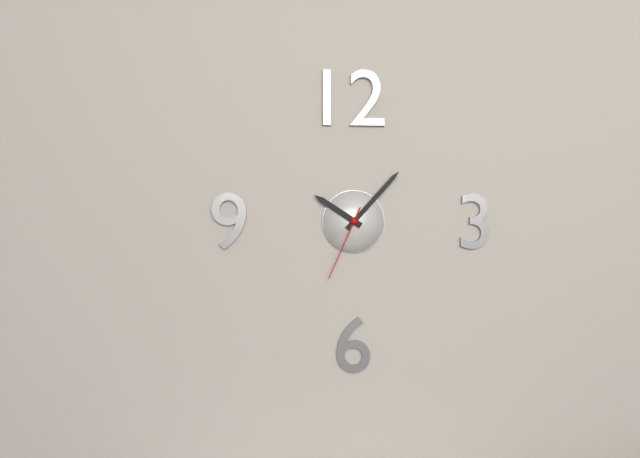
10:07:34
